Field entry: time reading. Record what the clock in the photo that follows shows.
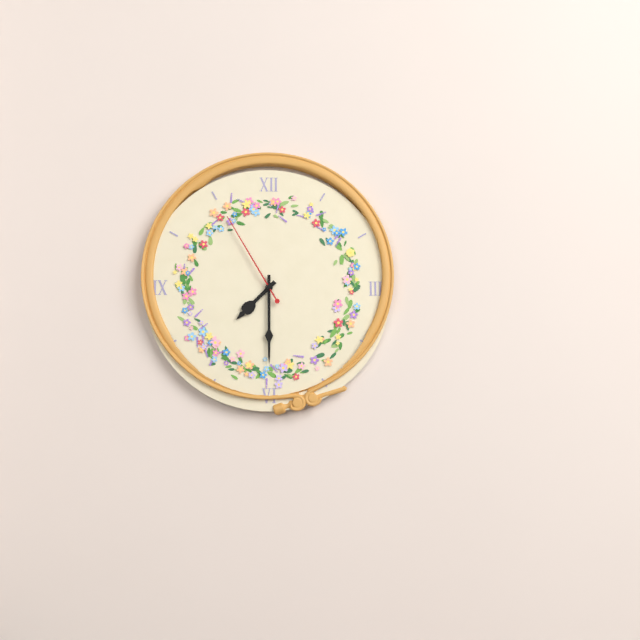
7:30:55
